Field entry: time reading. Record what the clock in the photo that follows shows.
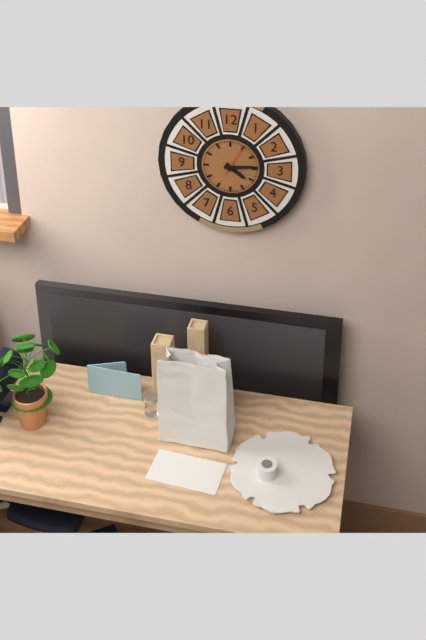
4:14
